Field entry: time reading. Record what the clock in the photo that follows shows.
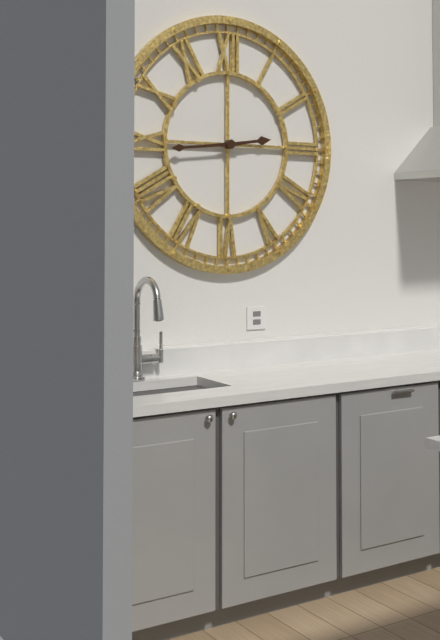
2:44
